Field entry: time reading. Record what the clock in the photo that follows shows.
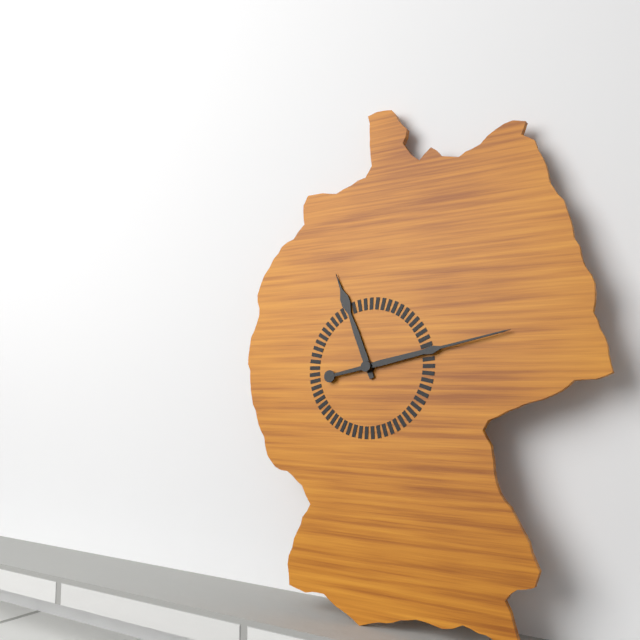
11:13
